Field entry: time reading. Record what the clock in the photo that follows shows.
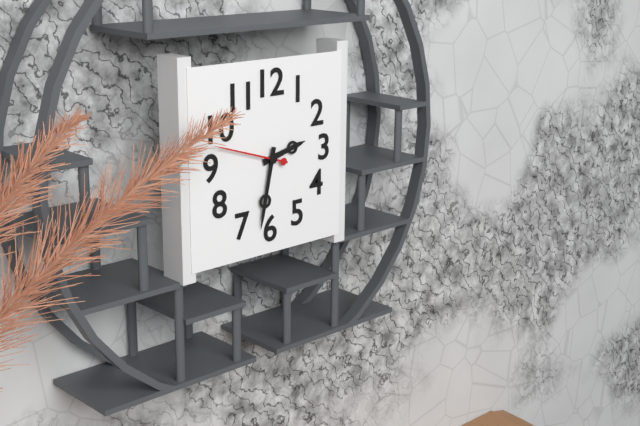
2:32:48
